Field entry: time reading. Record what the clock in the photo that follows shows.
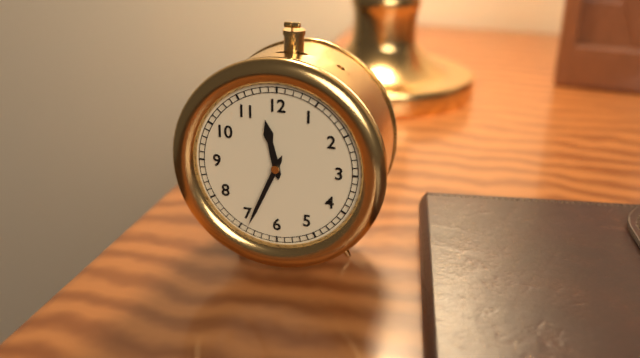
11:34
